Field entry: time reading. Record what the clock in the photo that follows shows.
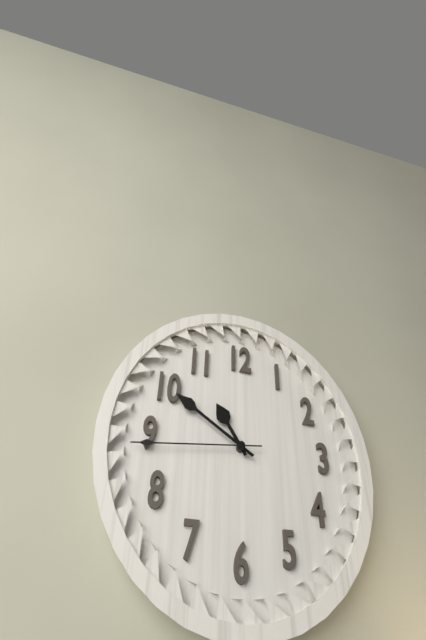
10:50:44
